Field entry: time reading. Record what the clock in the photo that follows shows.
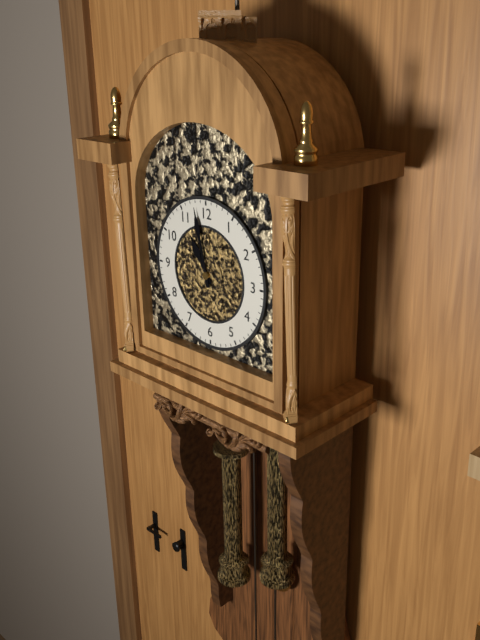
10:58
